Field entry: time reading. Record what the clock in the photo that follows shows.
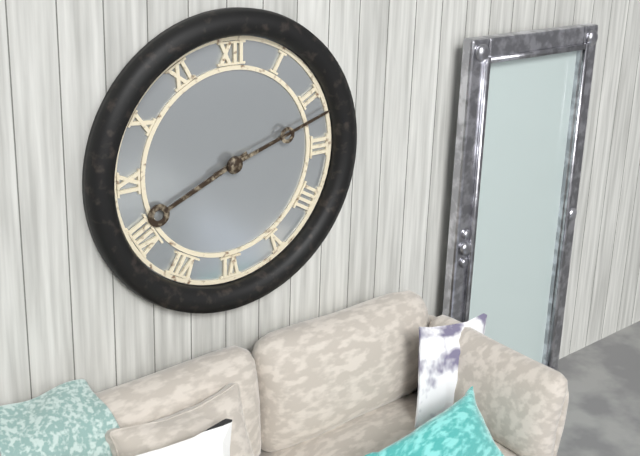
8:12
